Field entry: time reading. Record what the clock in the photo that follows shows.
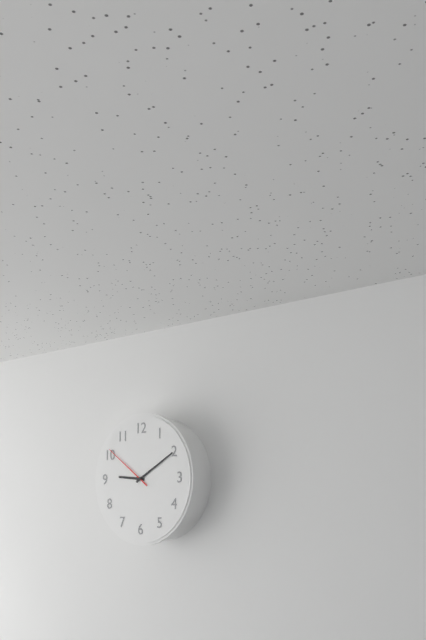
9:10:51
